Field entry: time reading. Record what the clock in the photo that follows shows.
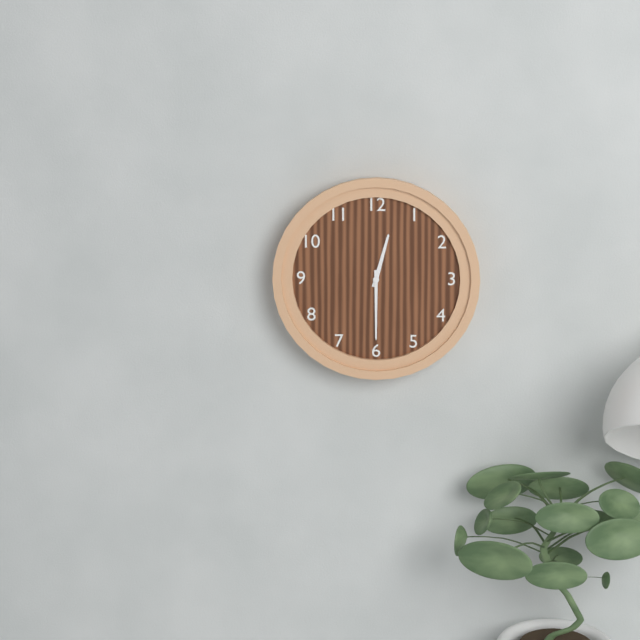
12:30
